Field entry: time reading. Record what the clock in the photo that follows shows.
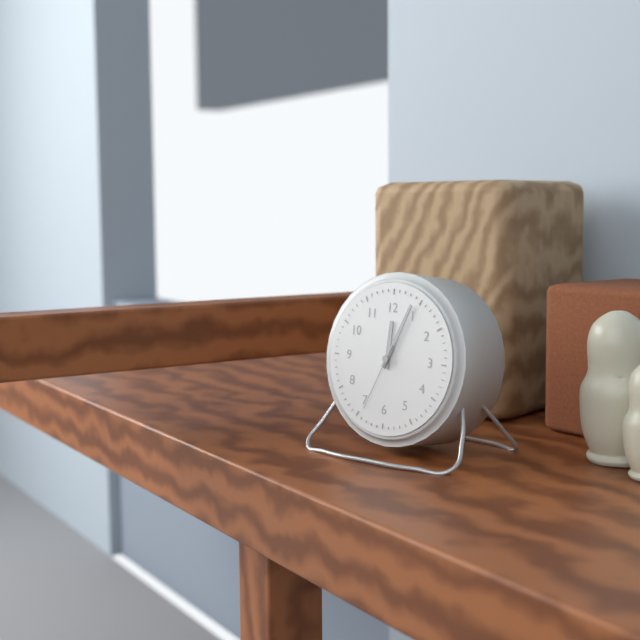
12:04:34
